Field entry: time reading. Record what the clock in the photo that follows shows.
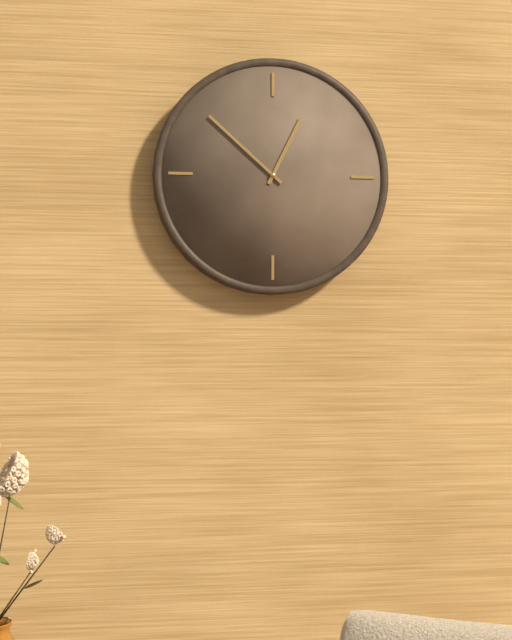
12:52
